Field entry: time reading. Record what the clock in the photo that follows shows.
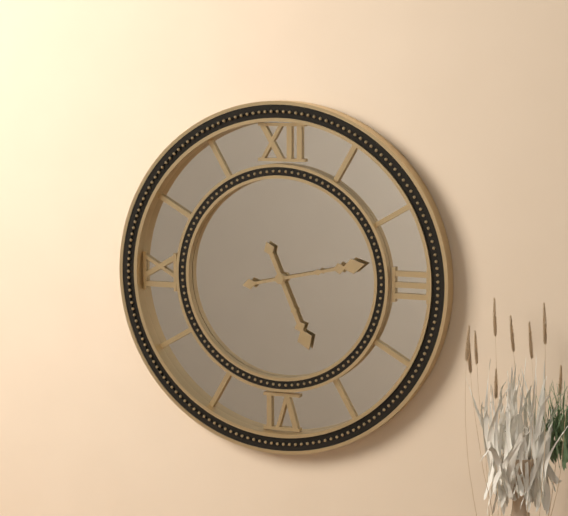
5:13
